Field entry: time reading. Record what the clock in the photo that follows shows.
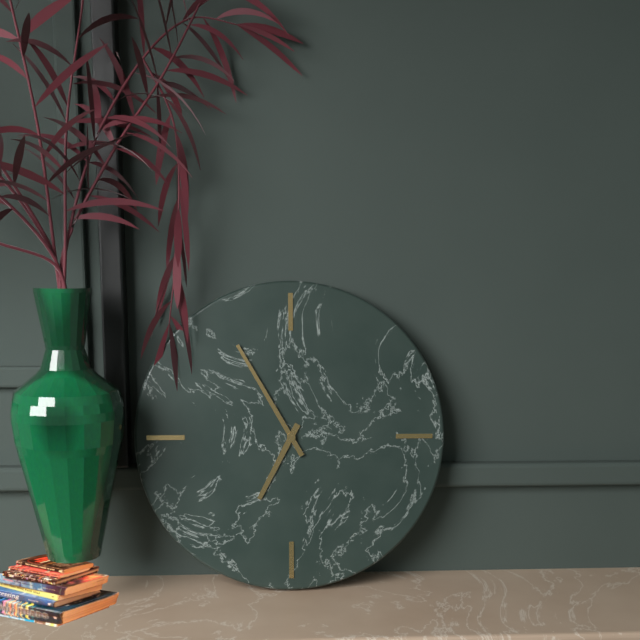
6:55
